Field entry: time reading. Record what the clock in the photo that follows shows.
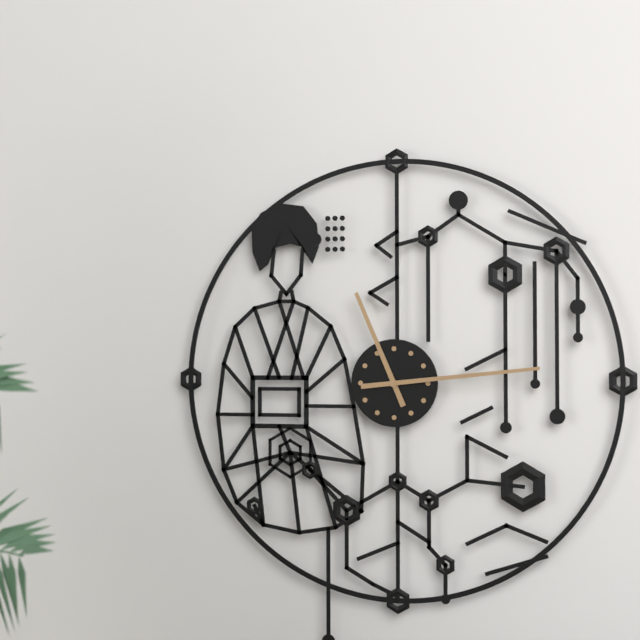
11:14
